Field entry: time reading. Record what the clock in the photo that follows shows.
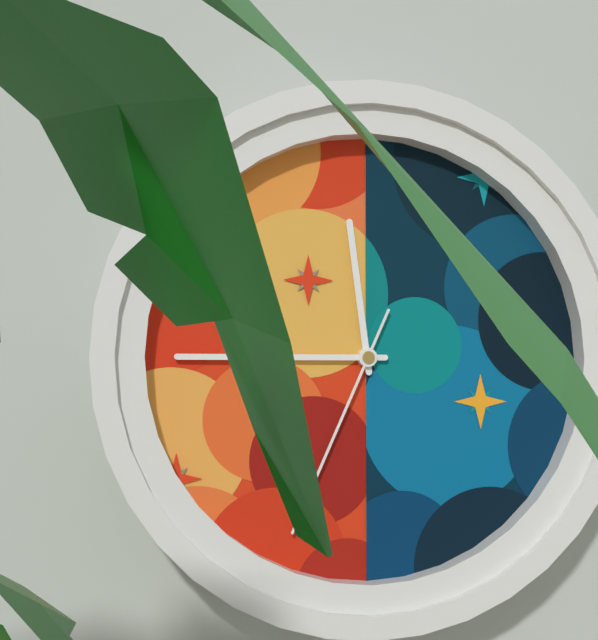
11:45:34
